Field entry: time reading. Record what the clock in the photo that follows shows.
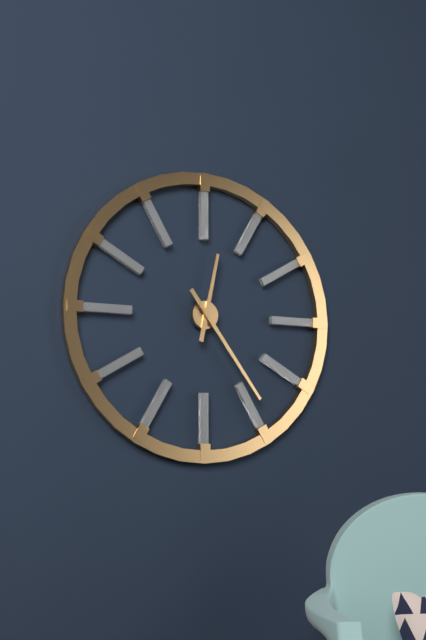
12:24
